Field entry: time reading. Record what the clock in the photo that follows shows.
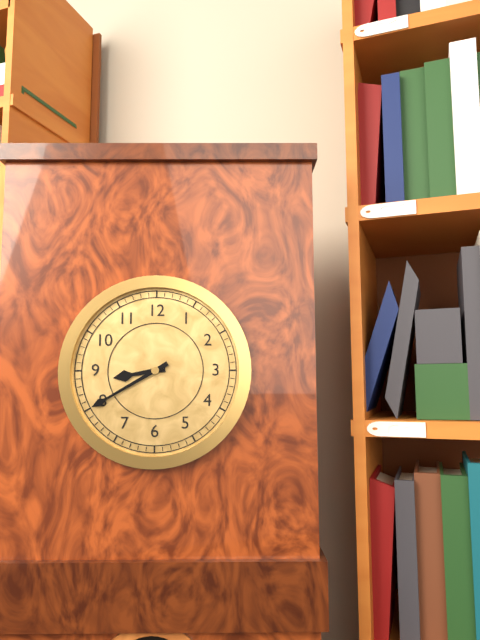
8:40
